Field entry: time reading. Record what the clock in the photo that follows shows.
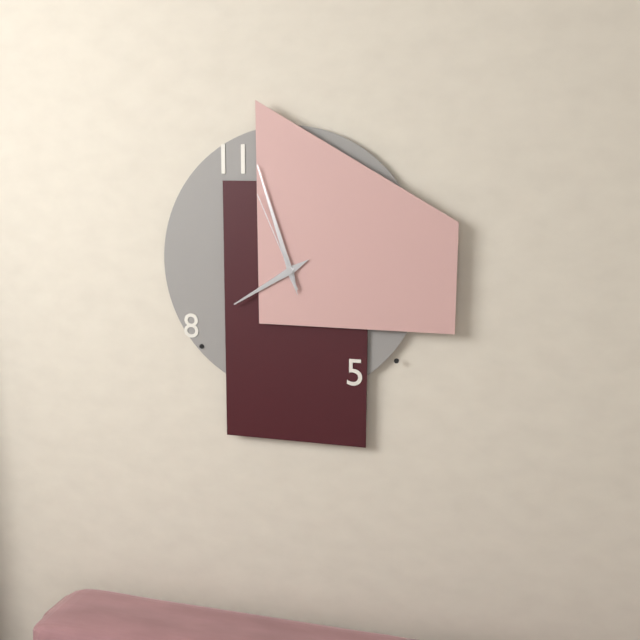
7:57:56
